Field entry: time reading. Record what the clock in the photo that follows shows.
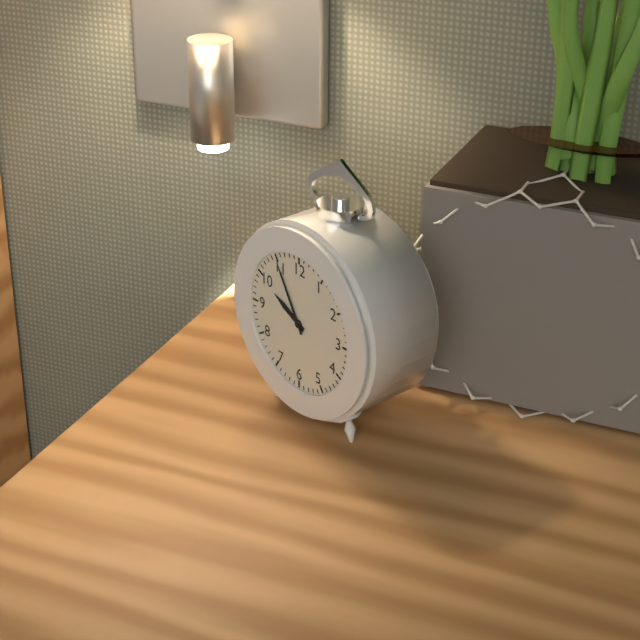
9:55
